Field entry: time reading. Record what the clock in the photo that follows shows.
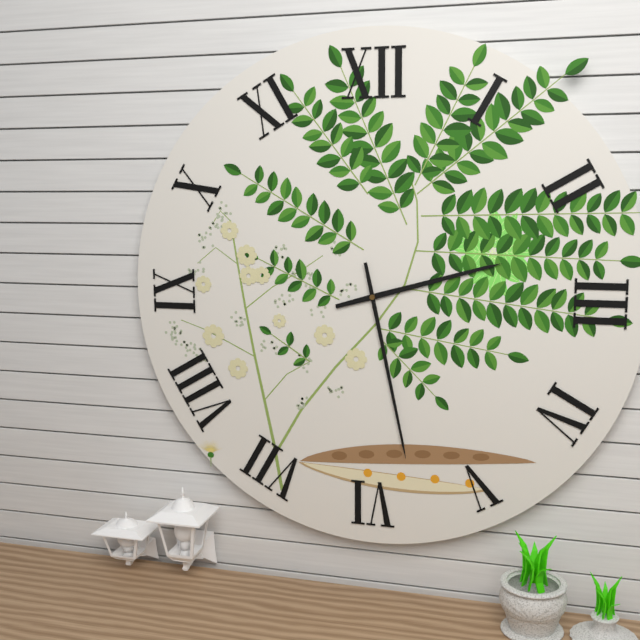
2:28
